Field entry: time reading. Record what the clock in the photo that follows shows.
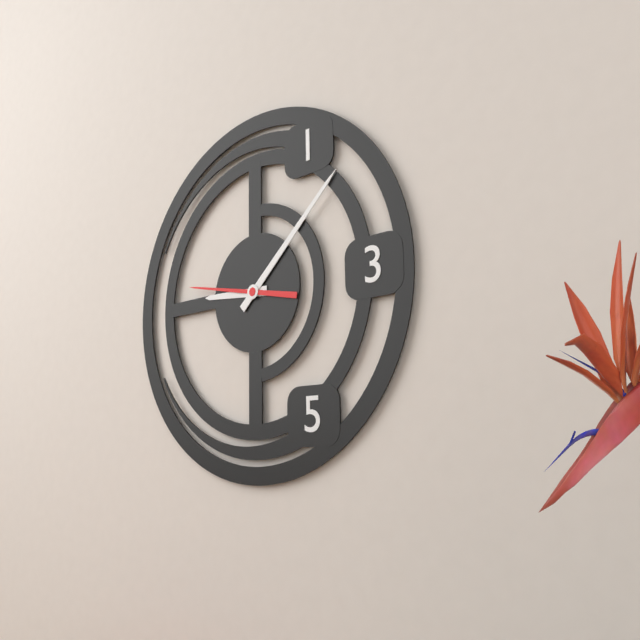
9:08:47
